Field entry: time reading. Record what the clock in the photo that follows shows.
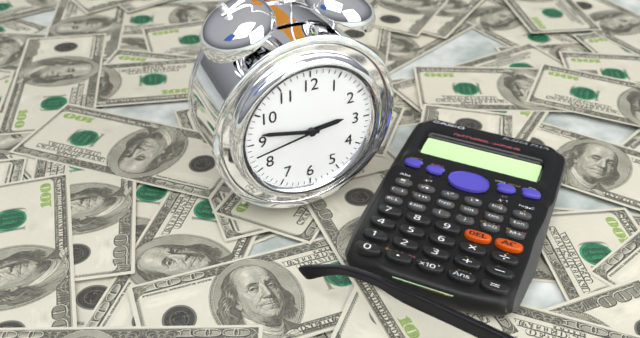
2:47:43
